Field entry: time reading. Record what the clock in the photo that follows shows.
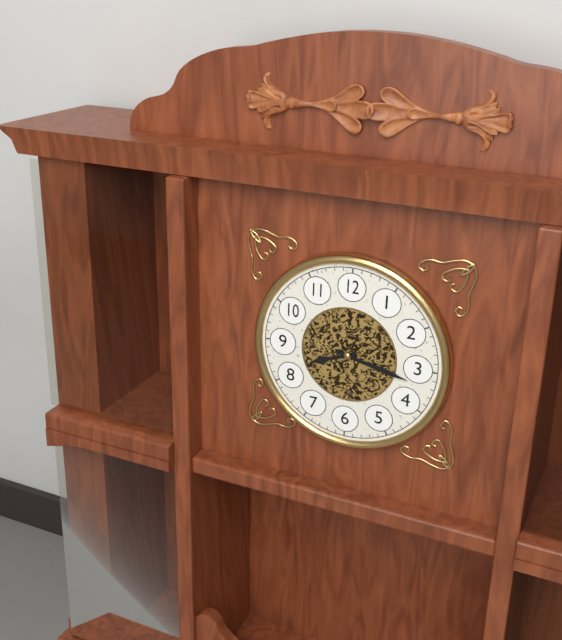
8:17
